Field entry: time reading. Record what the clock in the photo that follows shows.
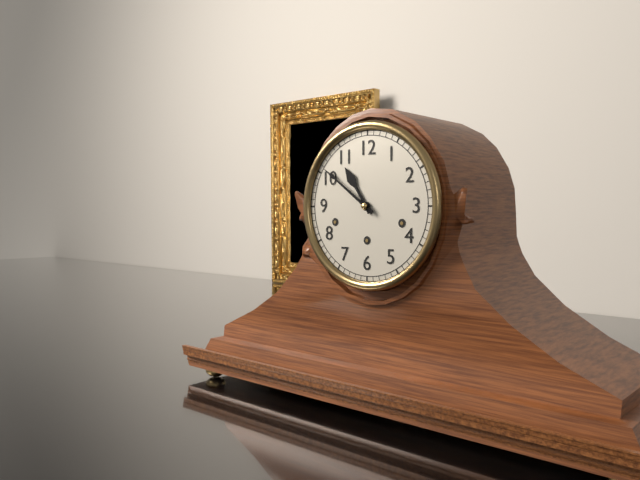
10:51
